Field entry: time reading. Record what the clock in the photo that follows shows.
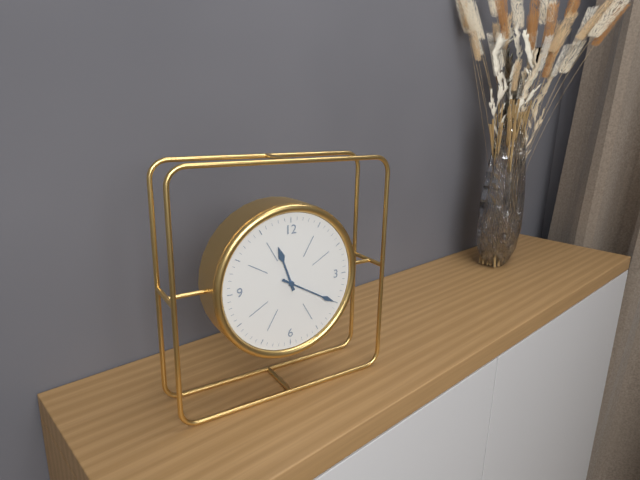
11:20
